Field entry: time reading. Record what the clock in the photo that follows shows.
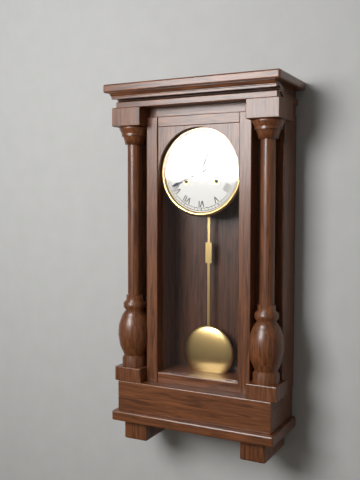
12:41
